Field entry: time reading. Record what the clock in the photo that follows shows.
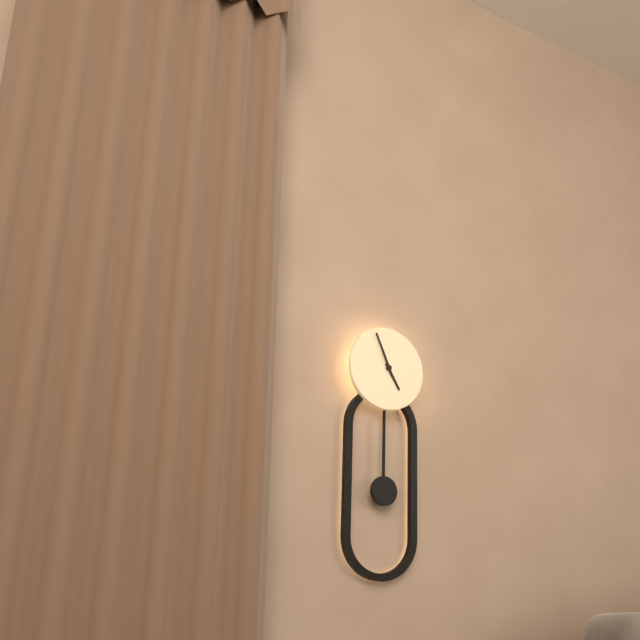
4:56
